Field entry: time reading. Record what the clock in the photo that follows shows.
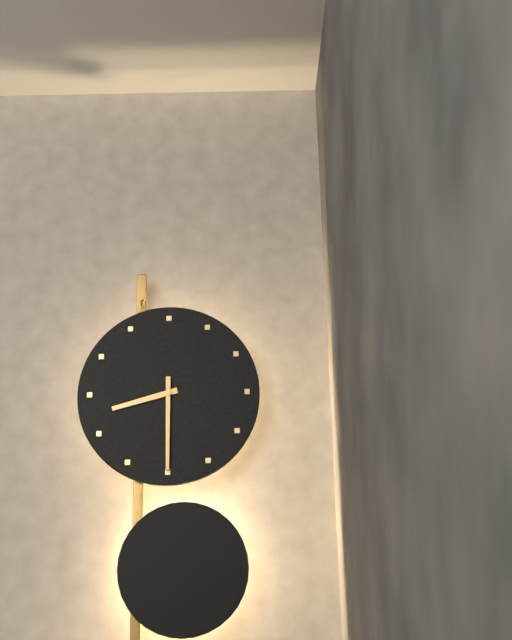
8:30
